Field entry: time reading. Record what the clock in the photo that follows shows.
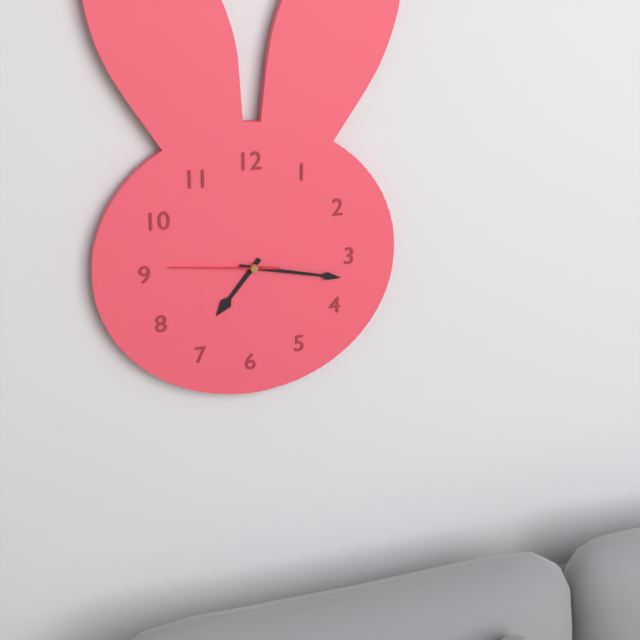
7:17:46
